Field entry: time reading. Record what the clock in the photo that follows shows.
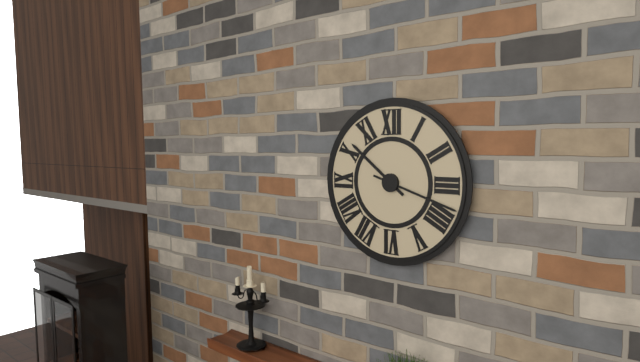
10:18
